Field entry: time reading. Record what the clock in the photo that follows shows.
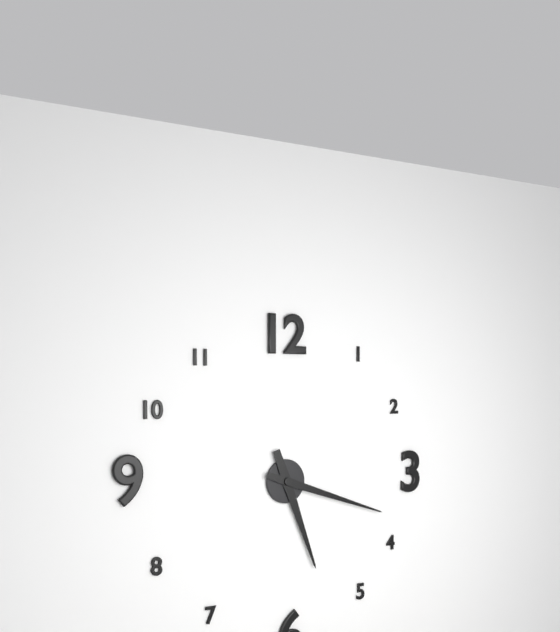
5:18
